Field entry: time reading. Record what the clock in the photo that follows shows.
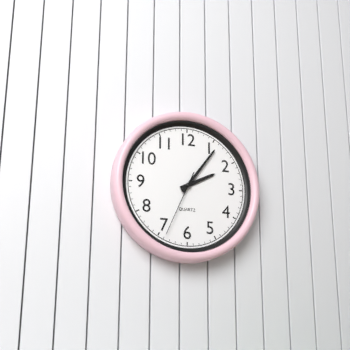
2:06:34
